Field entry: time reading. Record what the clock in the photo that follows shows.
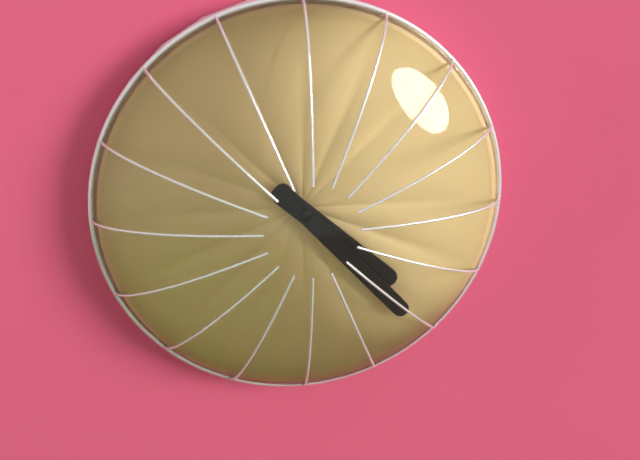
4:23
